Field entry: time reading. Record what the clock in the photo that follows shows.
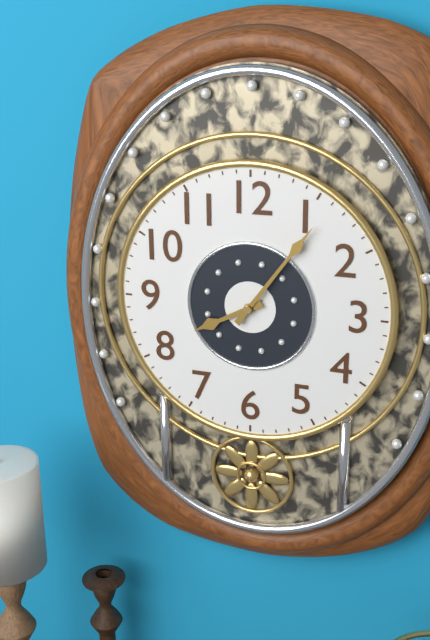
8:06
